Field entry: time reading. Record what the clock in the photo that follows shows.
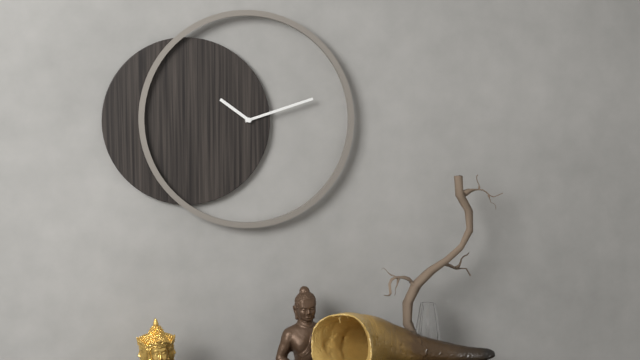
10:12
